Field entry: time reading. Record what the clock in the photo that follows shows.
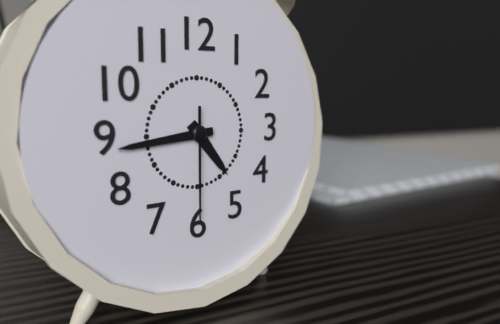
4:44:30
